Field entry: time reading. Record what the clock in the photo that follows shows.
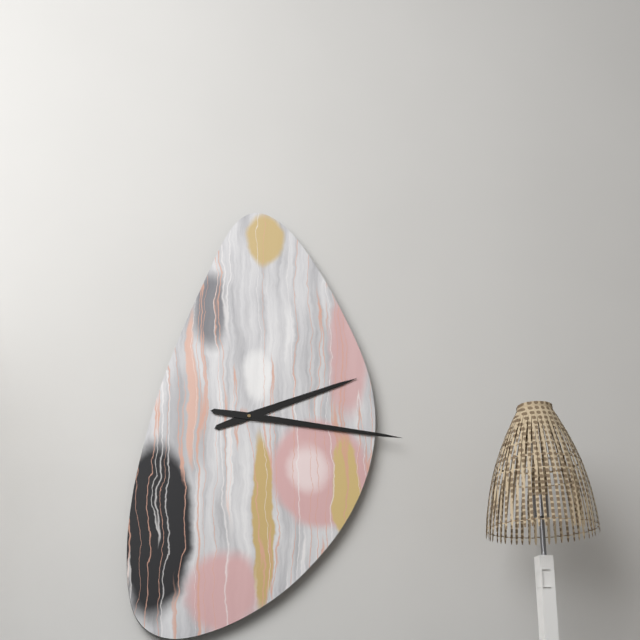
2:16
